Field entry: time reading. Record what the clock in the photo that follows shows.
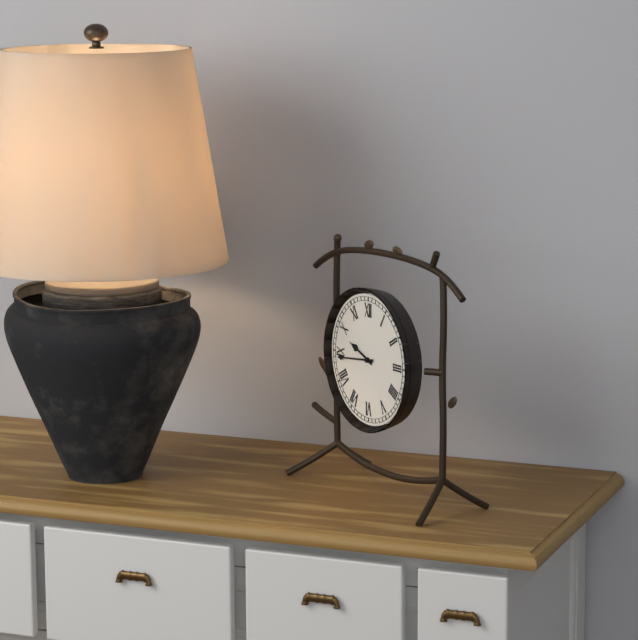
9:44
